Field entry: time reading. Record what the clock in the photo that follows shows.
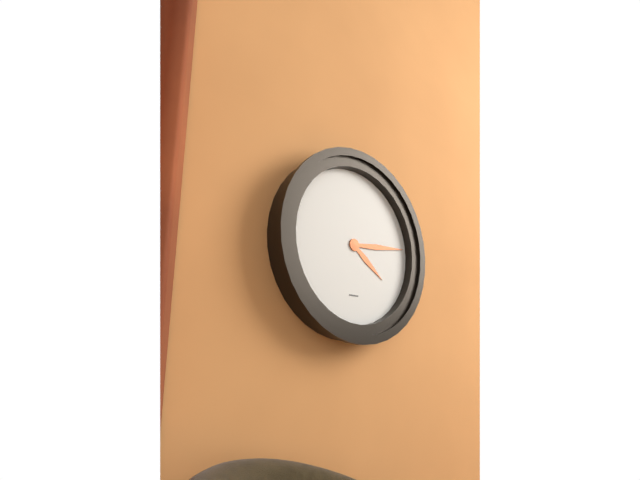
4:14
